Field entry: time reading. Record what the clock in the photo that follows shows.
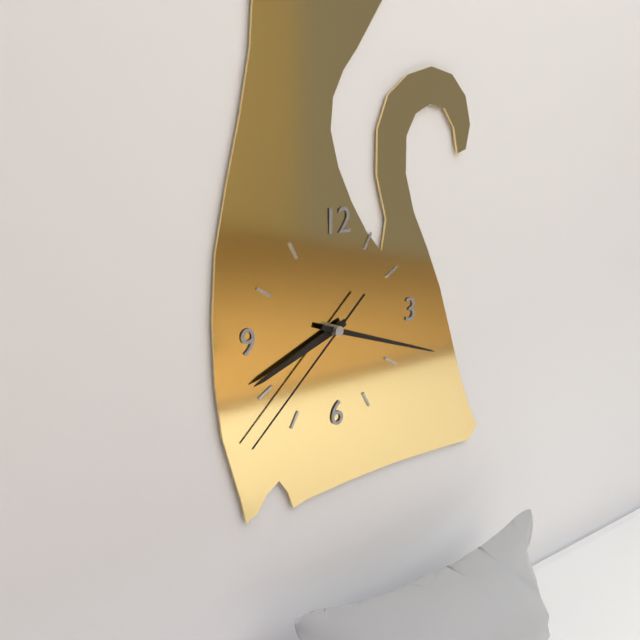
8:18:38
